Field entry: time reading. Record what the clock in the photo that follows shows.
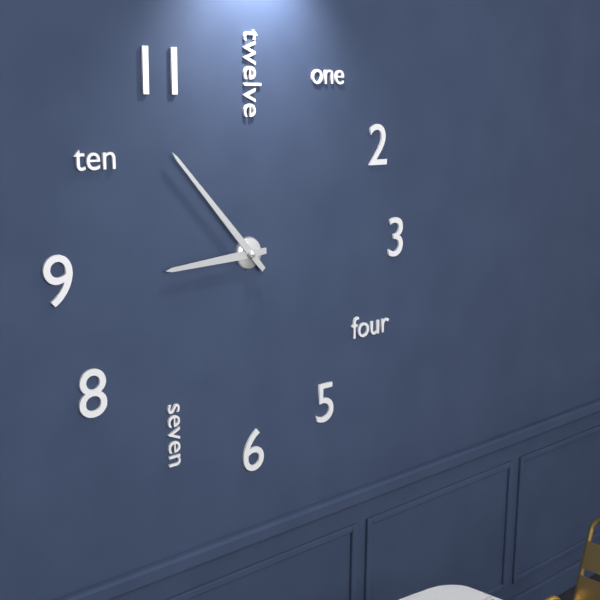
8:53
